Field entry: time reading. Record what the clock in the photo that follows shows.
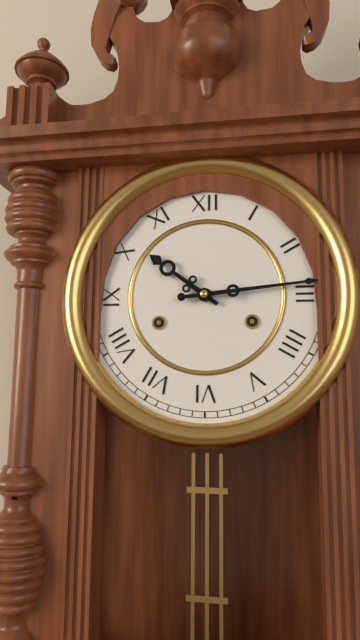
10:14
